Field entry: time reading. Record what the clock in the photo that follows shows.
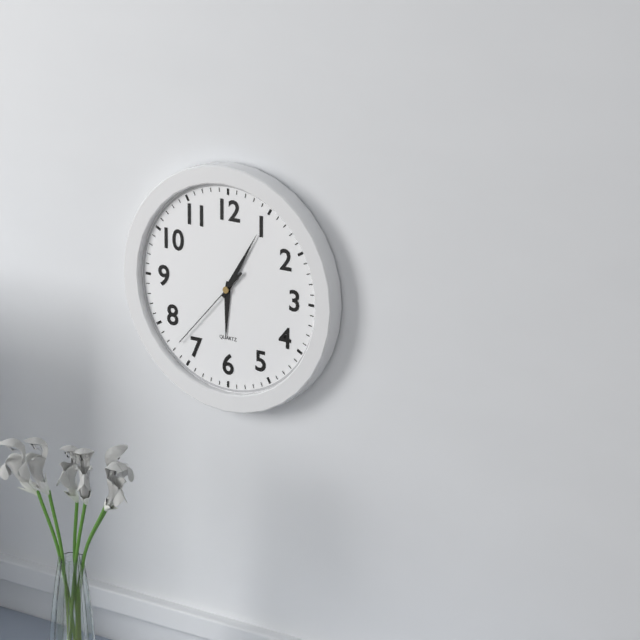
6:05:37
